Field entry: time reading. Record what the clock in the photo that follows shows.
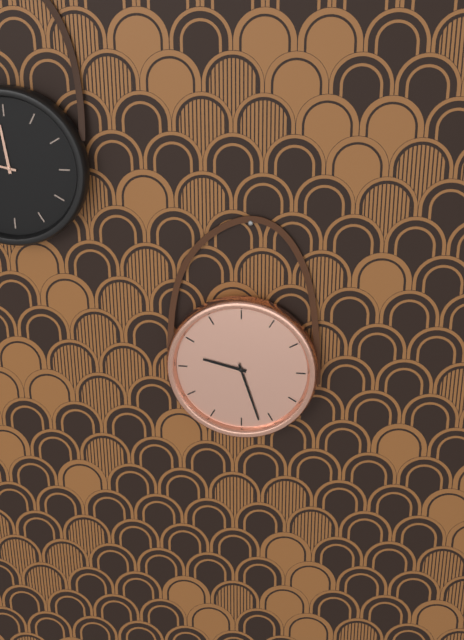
9:27
